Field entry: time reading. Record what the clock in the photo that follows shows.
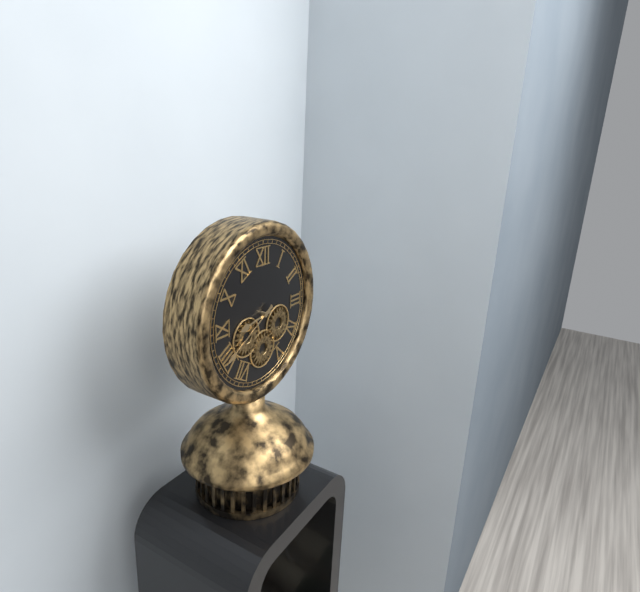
8:40
